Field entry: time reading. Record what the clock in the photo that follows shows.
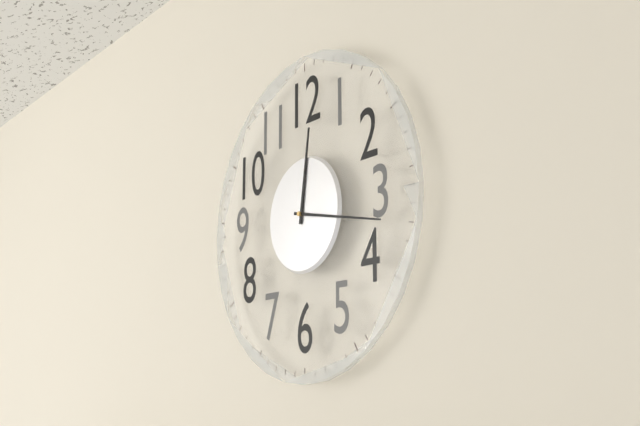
12:17
